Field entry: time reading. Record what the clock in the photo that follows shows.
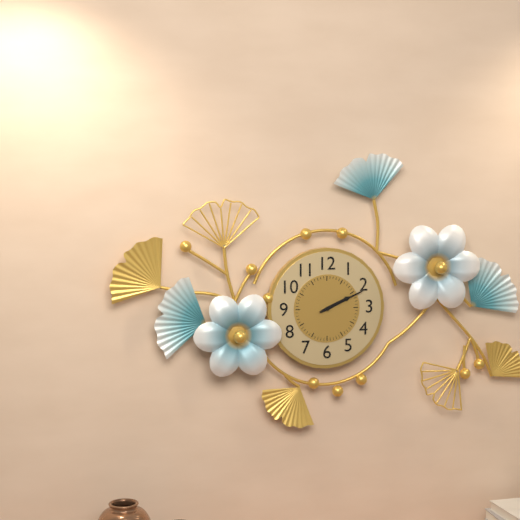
2:11
